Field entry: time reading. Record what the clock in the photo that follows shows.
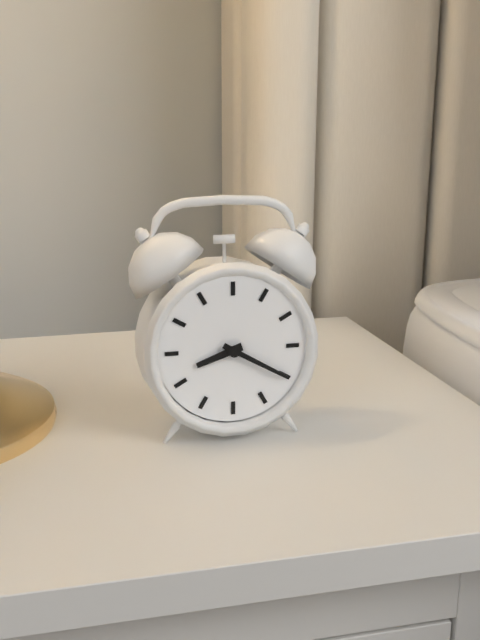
8:20
